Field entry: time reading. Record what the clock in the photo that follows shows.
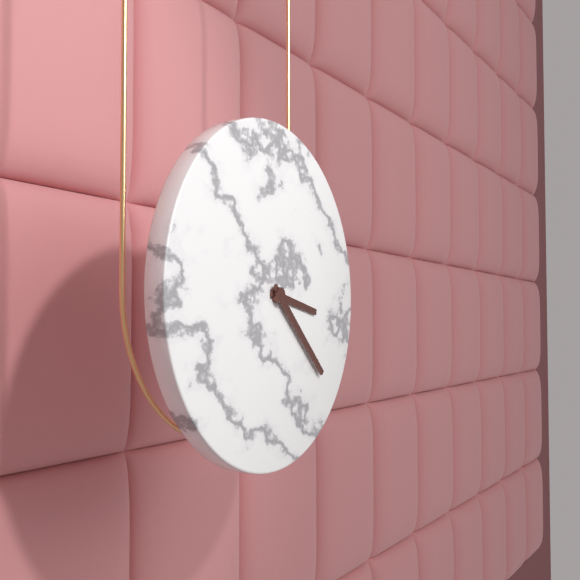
3:22
